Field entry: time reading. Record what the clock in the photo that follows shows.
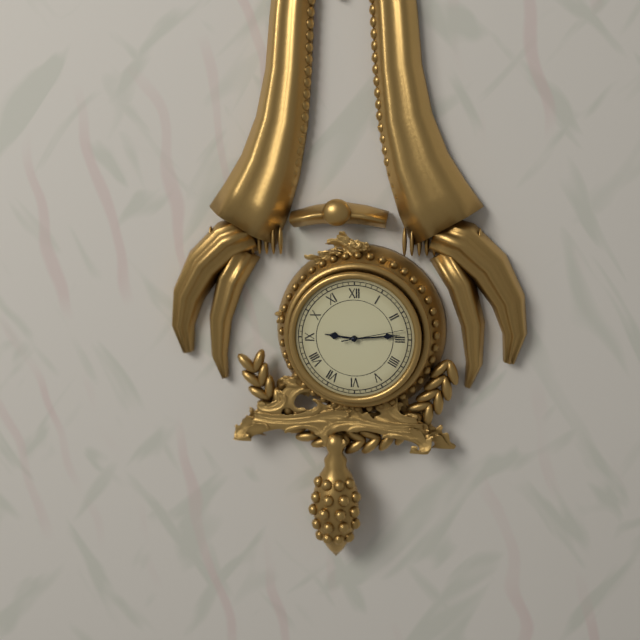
9:14:13
